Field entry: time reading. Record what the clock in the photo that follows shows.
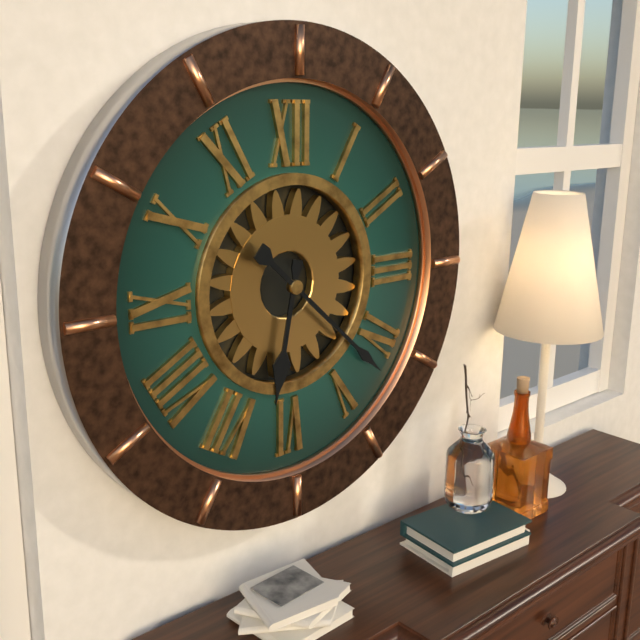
6:22
